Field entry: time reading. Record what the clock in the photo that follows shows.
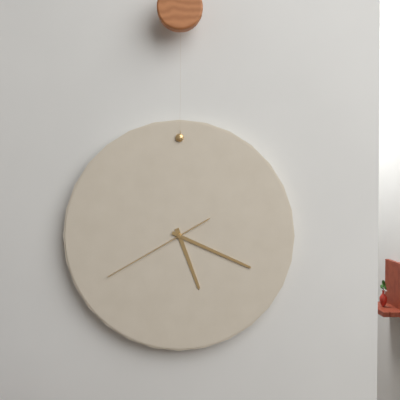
5:19:40
